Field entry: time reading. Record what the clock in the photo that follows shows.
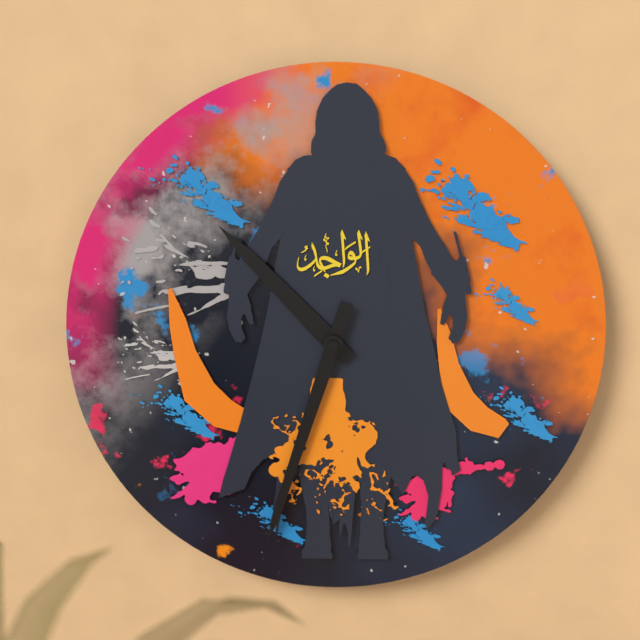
10:33
